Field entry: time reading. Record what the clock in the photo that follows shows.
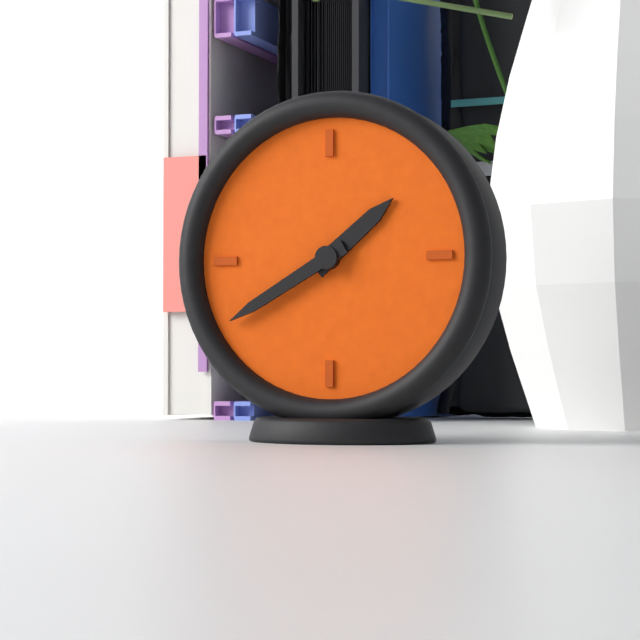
1:40
